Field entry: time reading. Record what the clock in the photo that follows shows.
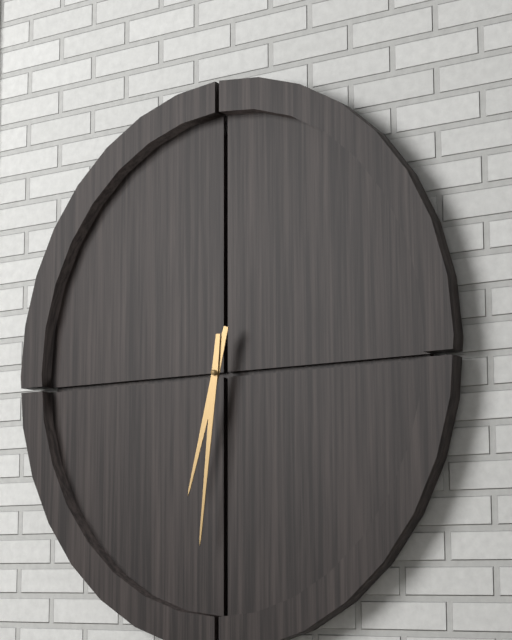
6:31
